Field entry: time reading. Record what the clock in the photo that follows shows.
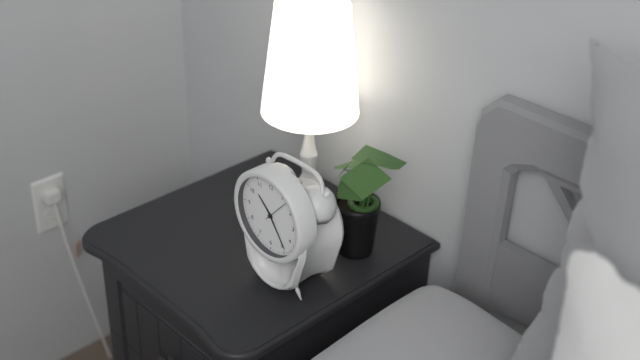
10:24
